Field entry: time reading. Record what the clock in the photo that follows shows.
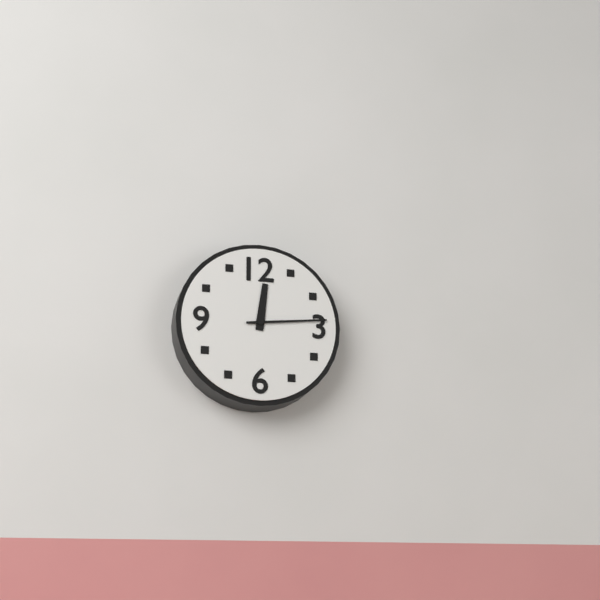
12:14
